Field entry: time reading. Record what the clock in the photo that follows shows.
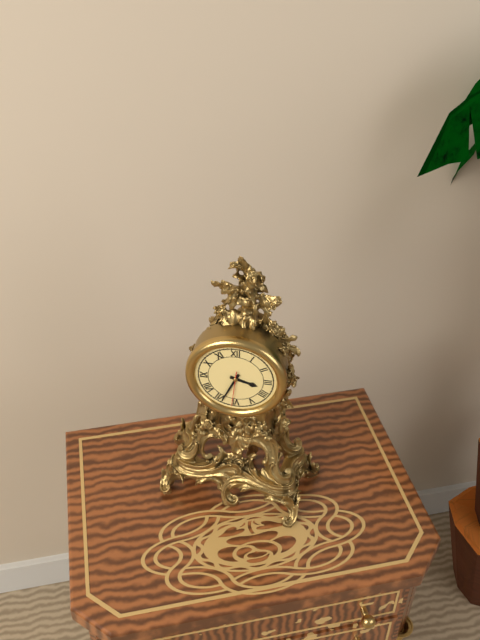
3:34
